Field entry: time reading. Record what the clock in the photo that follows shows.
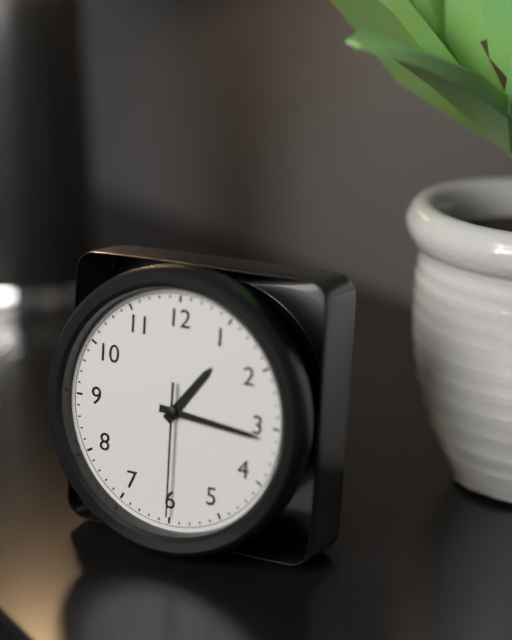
1:16:30
